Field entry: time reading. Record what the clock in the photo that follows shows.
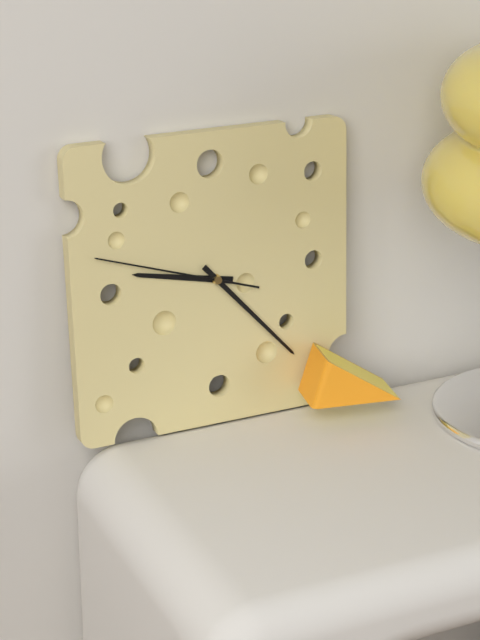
9:23:48
